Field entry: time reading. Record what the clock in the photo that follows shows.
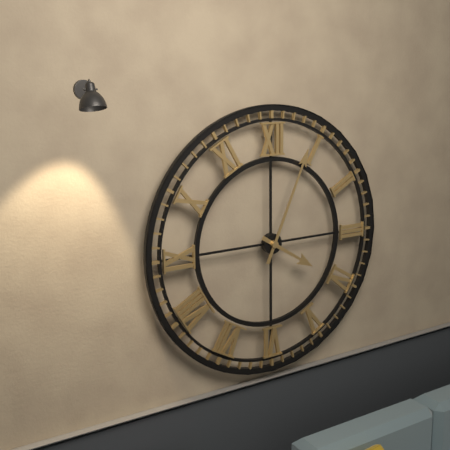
4:04
